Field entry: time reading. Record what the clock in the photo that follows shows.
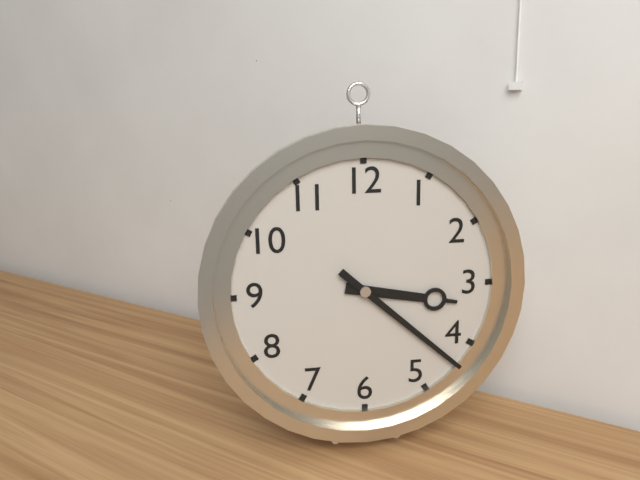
3:22
